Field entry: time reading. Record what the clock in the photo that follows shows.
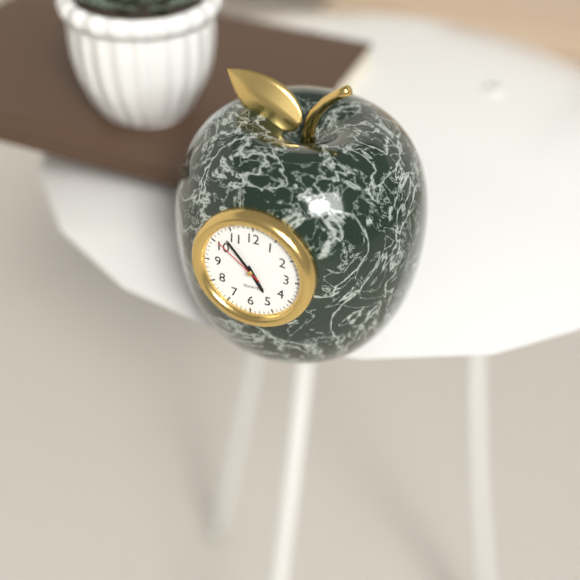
4:53:51
